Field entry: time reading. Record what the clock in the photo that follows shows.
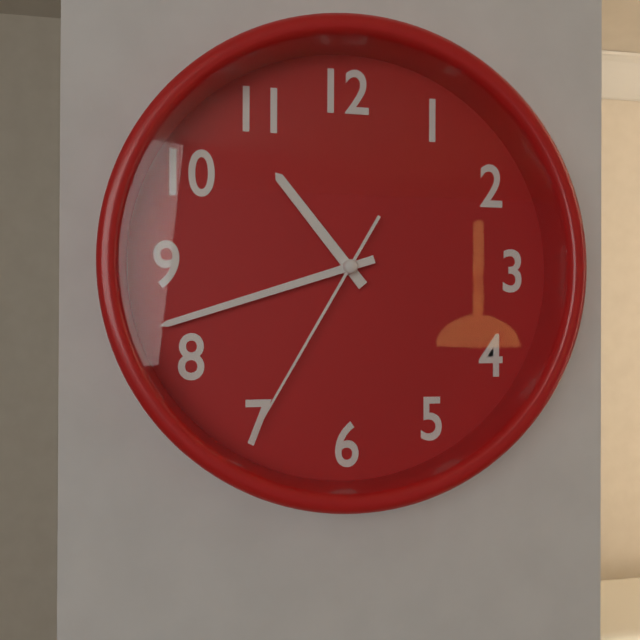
10:42:35
